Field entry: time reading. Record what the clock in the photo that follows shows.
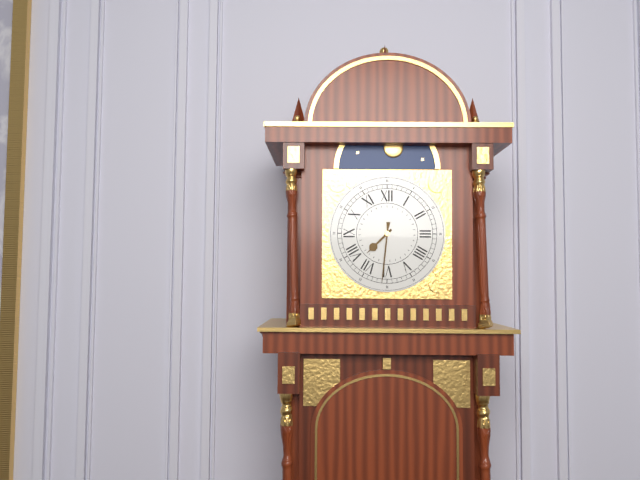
7:31
